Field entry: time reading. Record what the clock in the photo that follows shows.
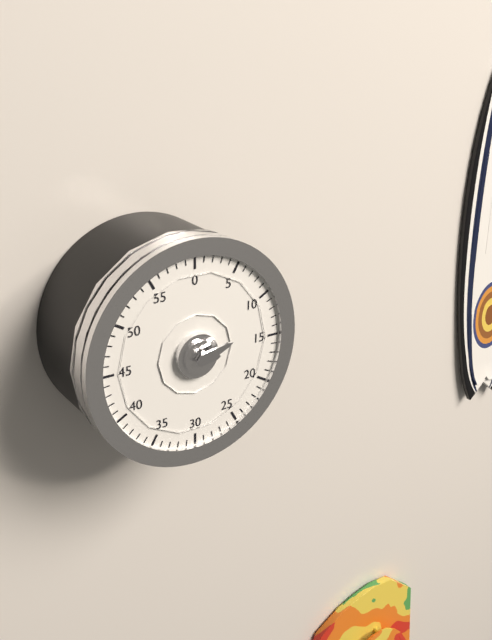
3:12
